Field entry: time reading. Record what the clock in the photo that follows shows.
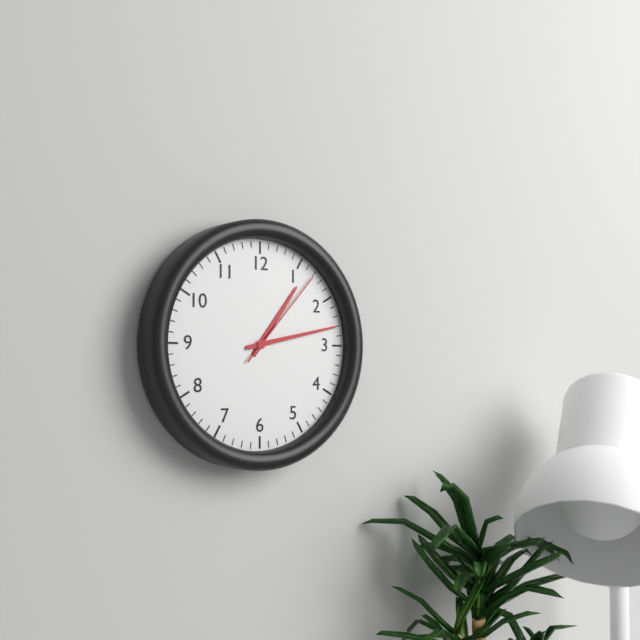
1:13:07
